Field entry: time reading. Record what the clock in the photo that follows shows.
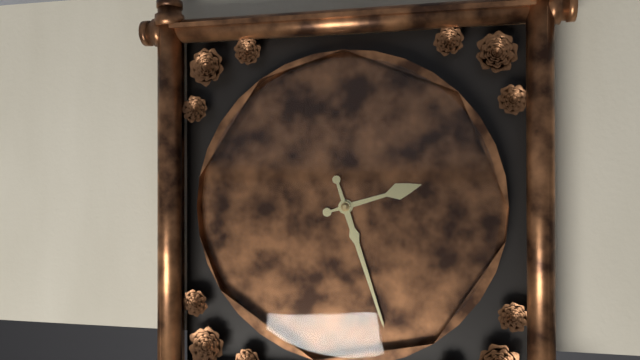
2:27
